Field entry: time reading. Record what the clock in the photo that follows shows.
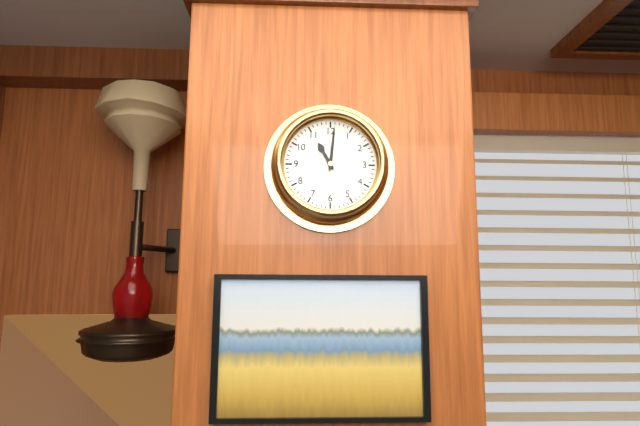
11:01
